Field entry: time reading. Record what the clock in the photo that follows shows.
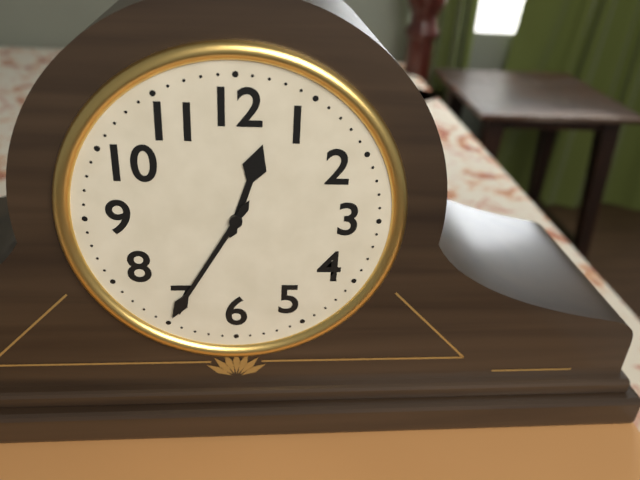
12:35
